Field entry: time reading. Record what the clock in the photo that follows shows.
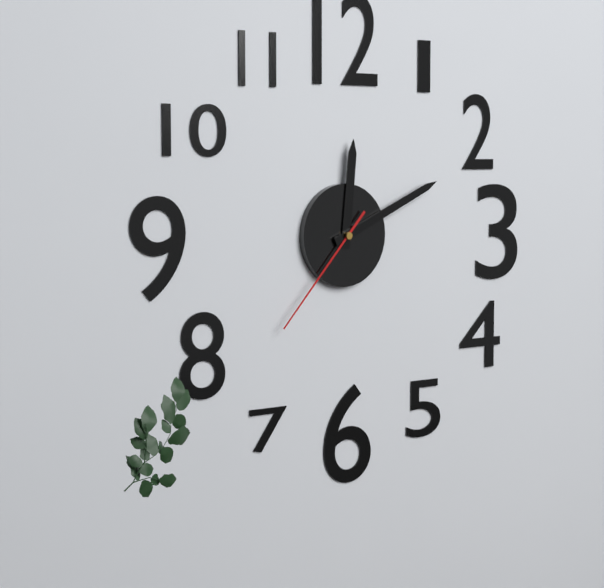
12:11:37
